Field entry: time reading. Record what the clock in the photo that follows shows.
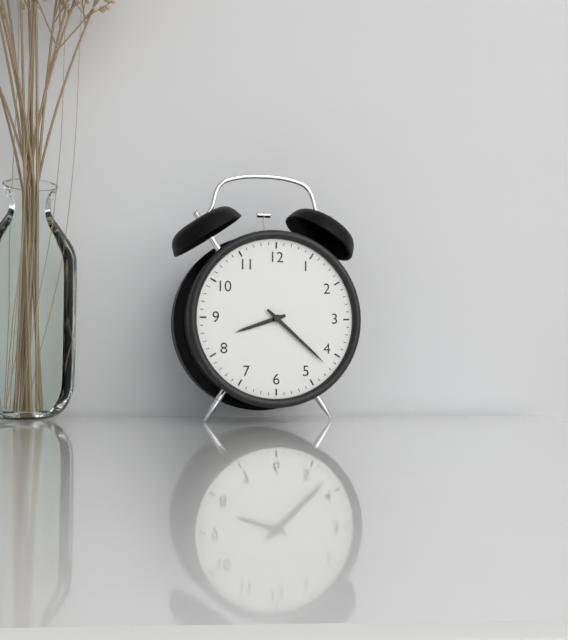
8:22
